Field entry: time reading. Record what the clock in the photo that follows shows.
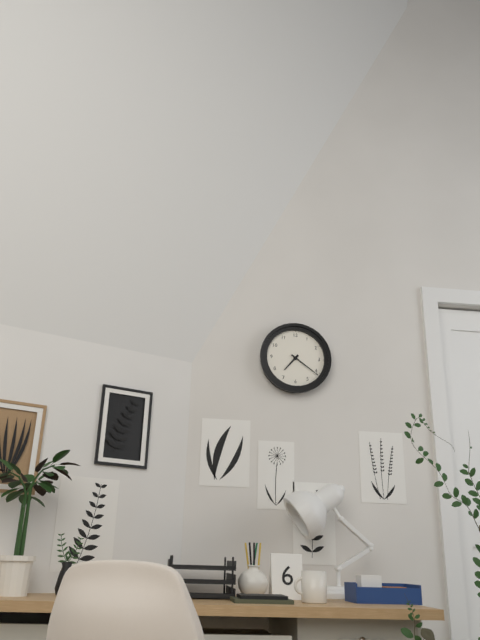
7:21
